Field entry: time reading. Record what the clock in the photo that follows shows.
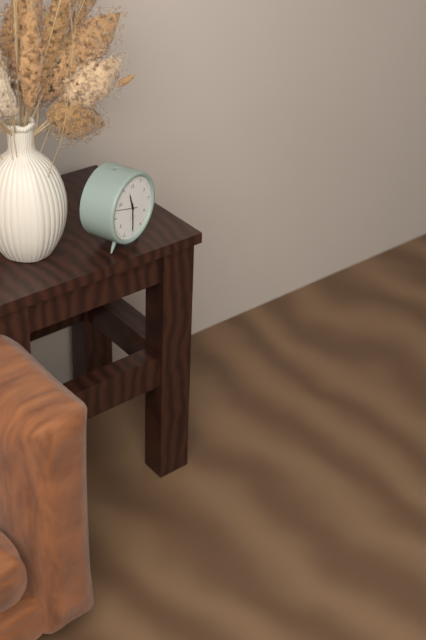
11:30
